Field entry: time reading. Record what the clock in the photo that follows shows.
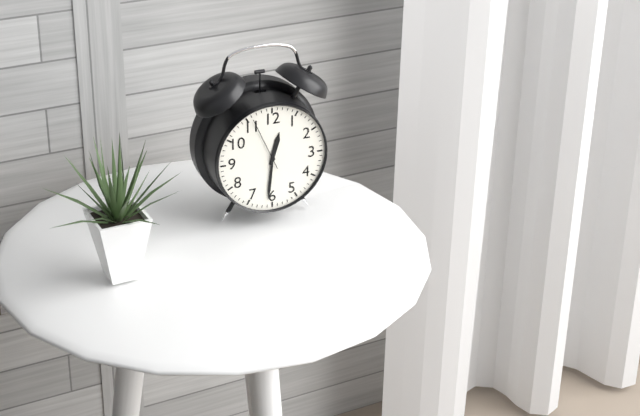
12:31:56
